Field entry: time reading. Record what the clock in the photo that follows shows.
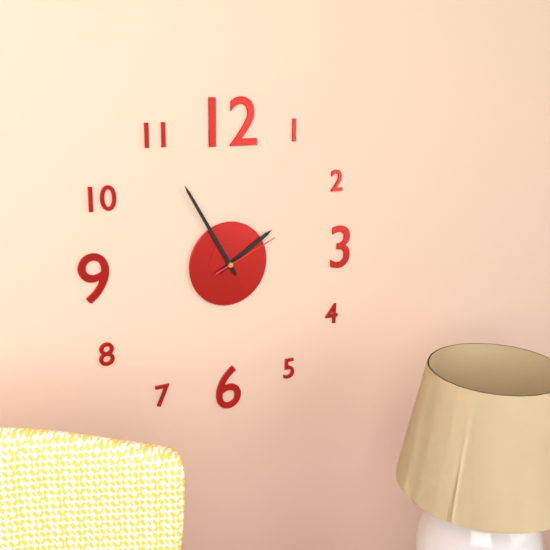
1:55:11
